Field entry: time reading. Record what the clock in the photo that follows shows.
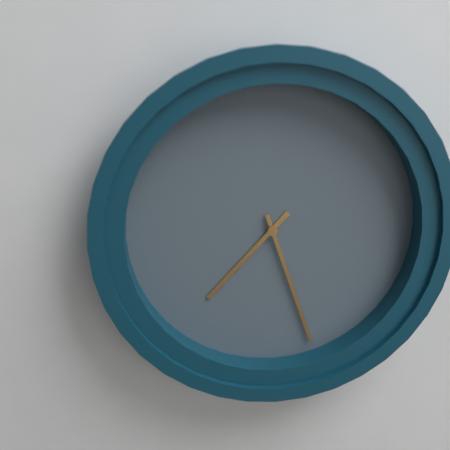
7:27
